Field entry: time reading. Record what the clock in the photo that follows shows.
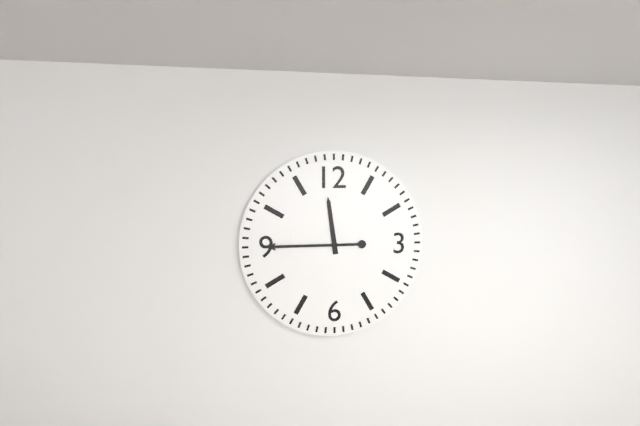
11:45
